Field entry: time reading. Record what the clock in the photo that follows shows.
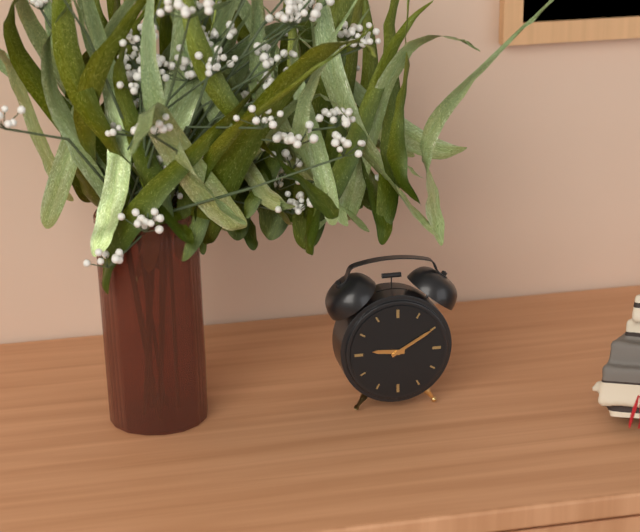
9:10
